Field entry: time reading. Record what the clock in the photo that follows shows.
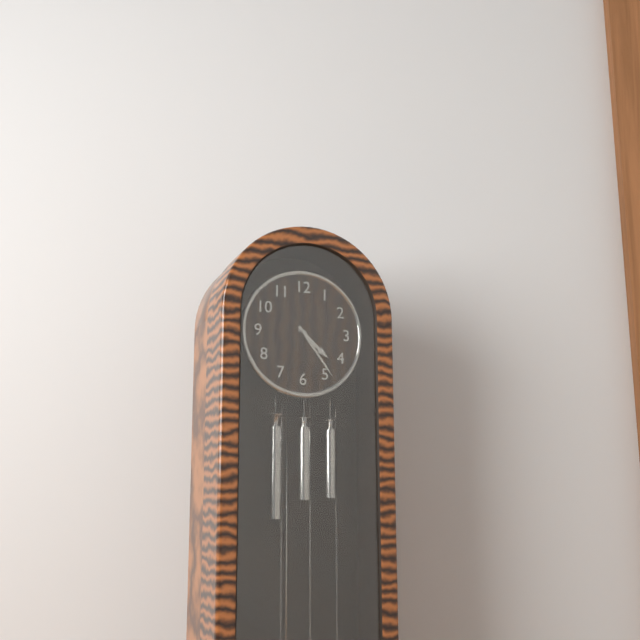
4:24
